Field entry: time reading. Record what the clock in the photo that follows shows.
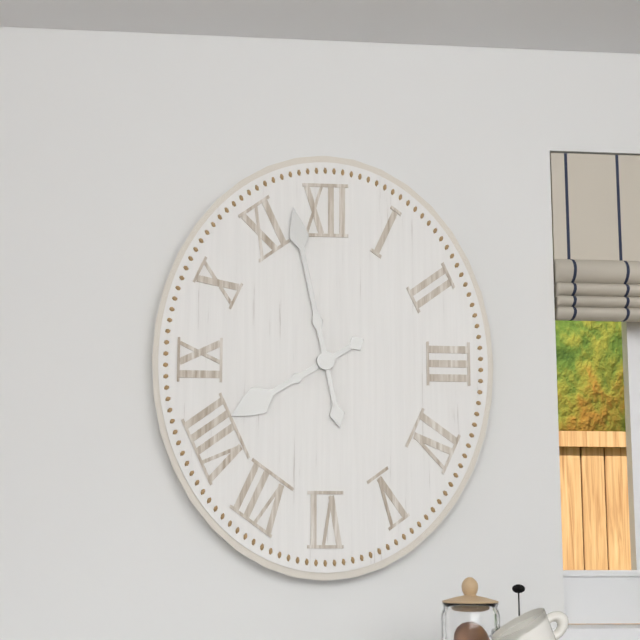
7:58
